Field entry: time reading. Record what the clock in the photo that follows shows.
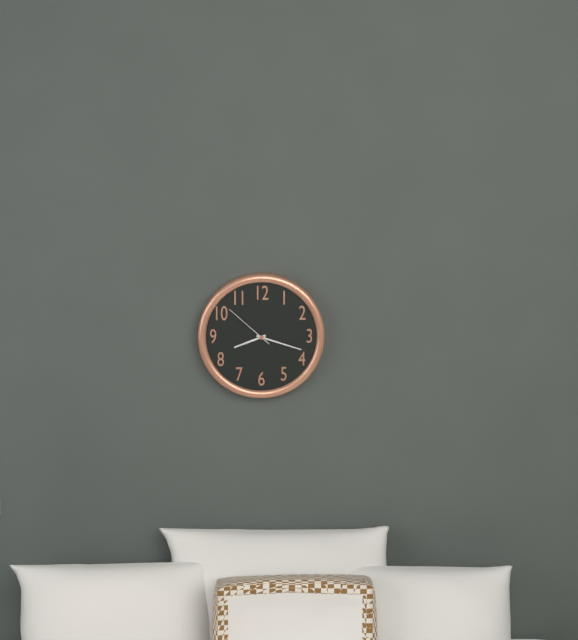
8:18:52
